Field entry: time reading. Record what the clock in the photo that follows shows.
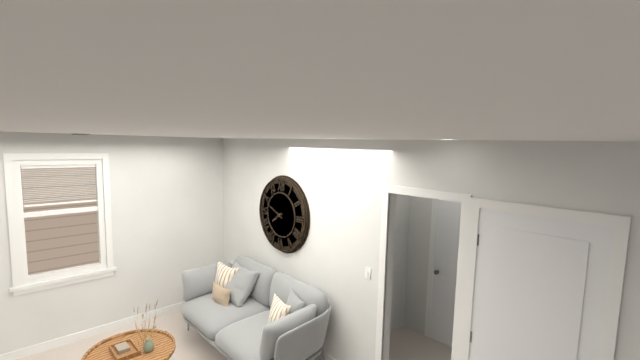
7:49
